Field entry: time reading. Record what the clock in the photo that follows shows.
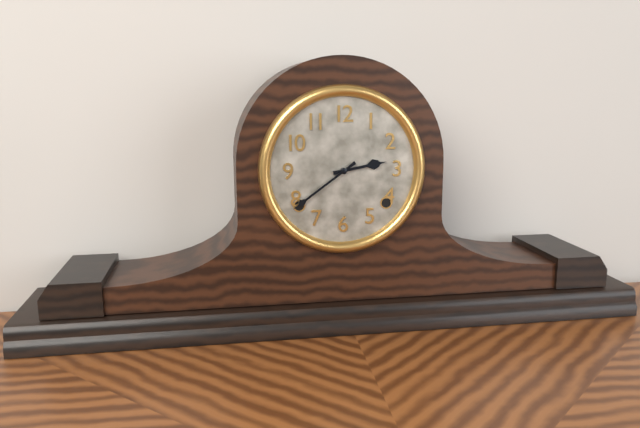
2:39
